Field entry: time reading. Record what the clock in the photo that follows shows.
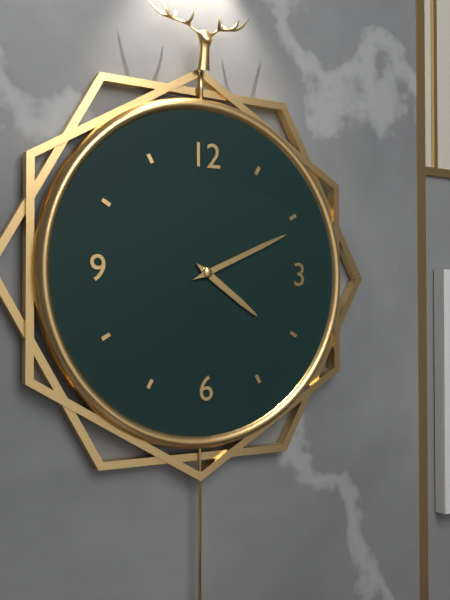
4:11
